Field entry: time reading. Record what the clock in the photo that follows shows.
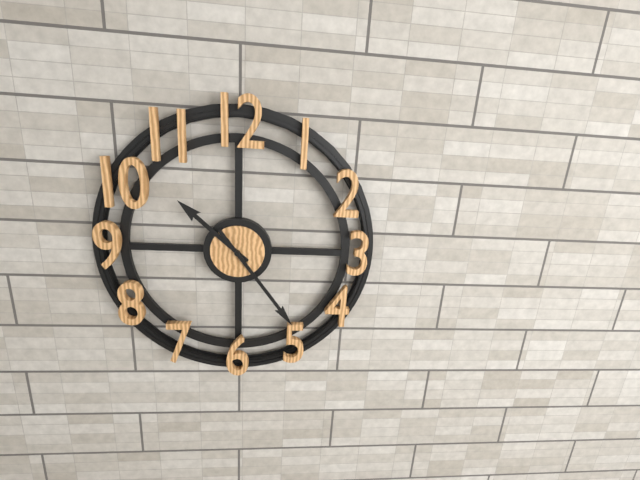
10:24
